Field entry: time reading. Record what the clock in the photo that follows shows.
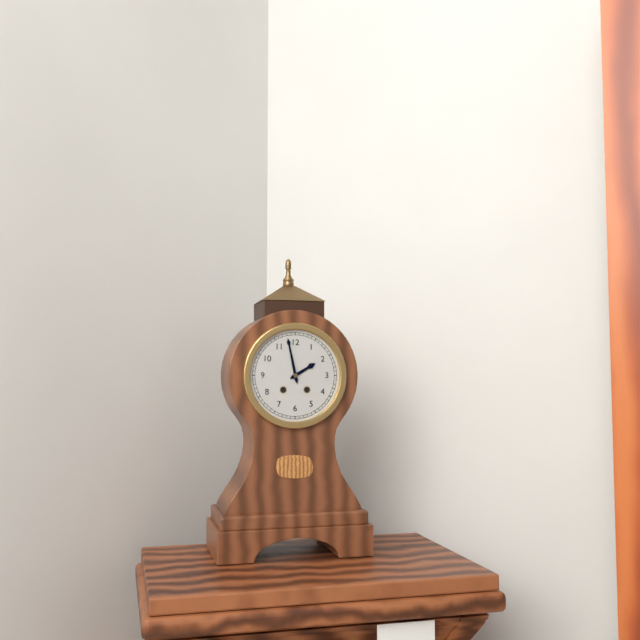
1:58
